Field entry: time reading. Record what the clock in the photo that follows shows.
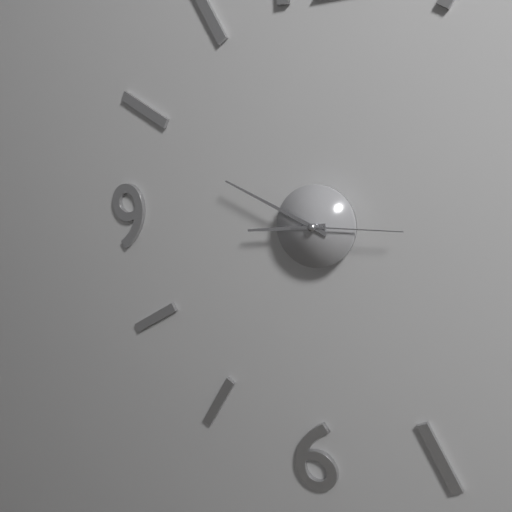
8:49:15
